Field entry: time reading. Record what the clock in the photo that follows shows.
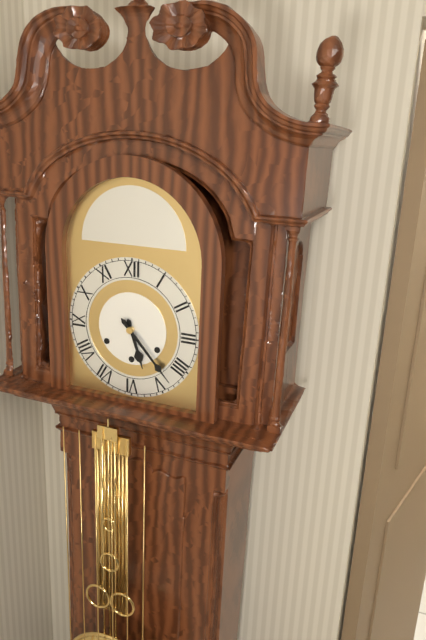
5:23
